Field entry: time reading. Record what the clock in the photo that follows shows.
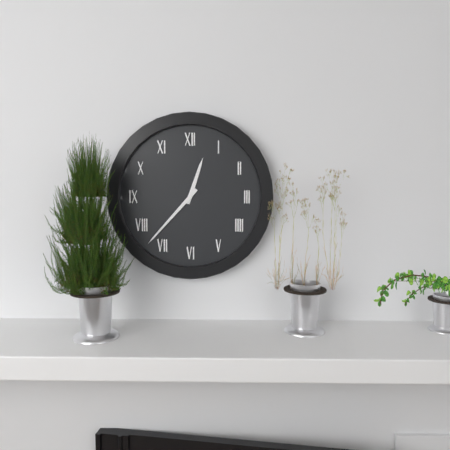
12:37
